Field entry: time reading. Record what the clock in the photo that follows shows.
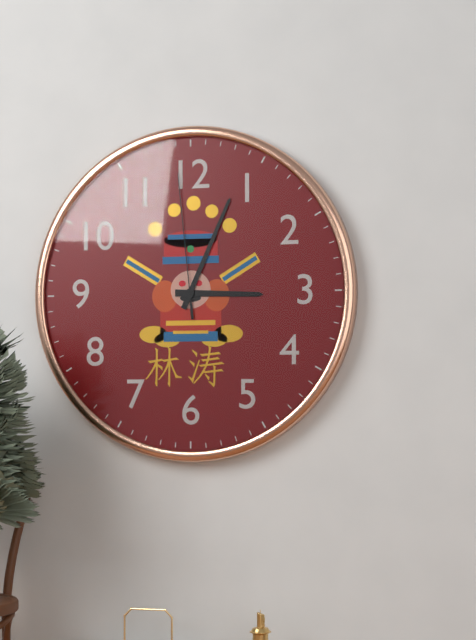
3:04:59
